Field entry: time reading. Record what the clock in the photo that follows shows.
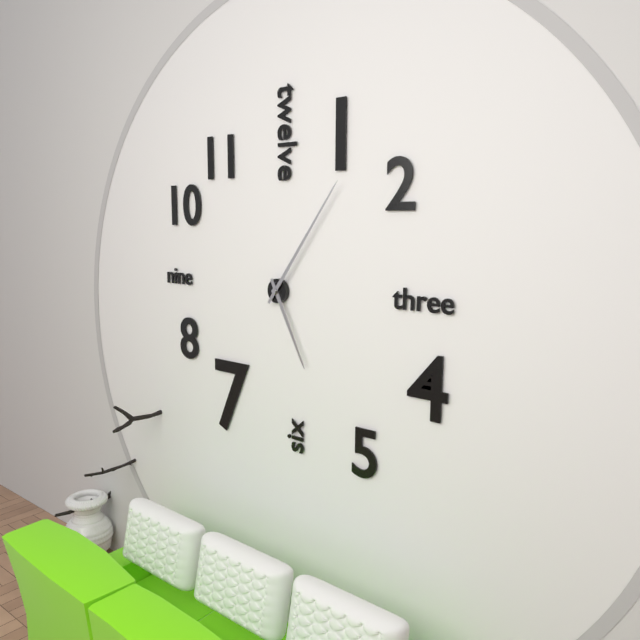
5:06
